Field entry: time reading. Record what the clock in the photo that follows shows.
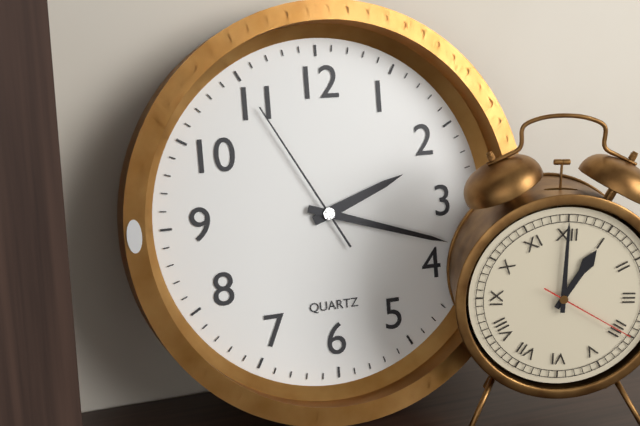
2:18:55
